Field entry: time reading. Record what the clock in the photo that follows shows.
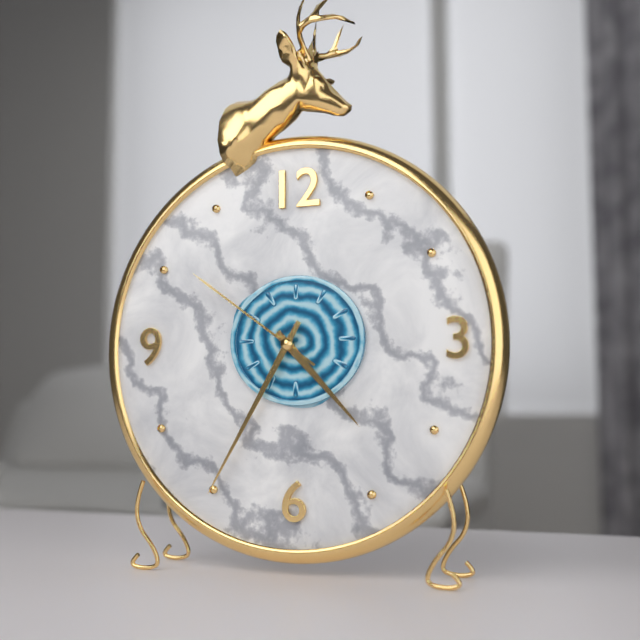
4:35:51
